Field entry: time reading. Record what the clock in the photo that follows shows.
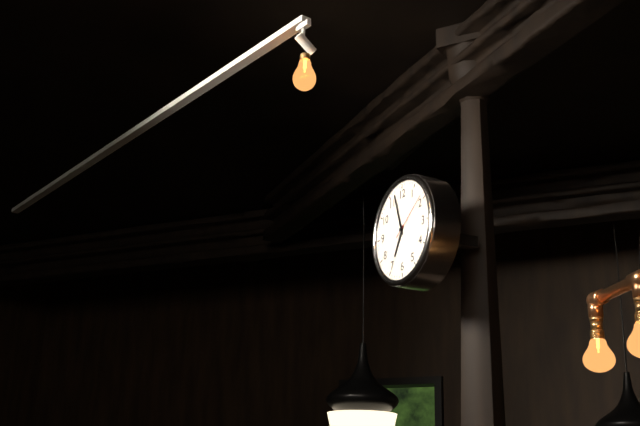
6:57
